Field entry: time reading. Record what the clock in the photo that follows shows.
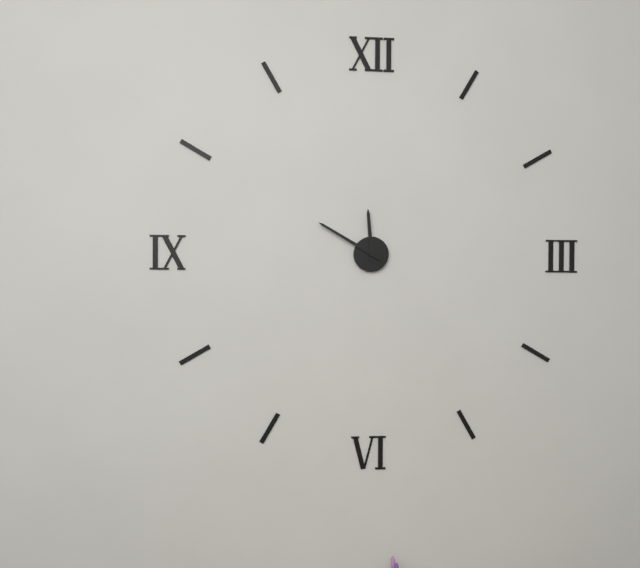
11:50
